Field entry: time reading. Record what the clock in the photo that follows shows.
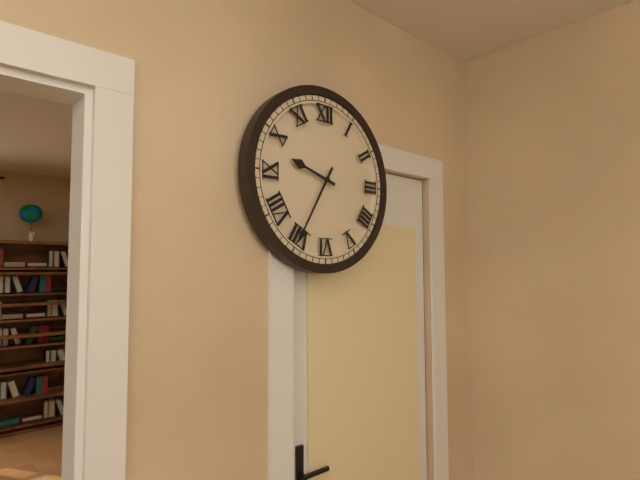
9:35
